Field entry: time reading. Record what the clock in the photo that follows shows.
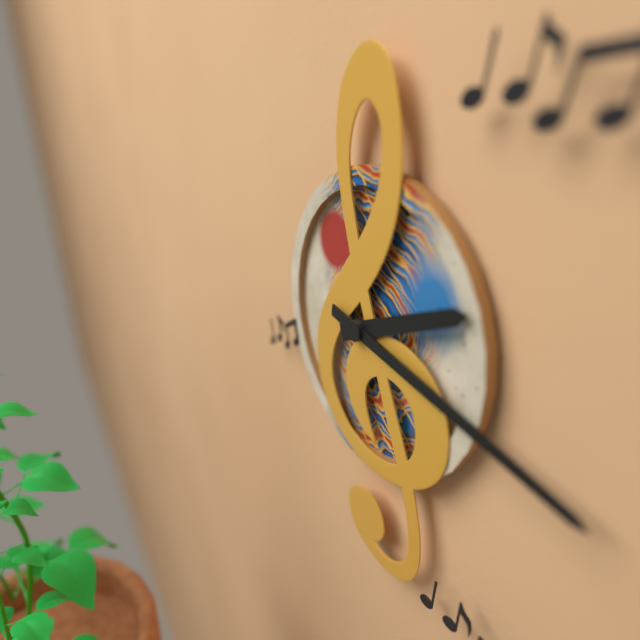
2:17
